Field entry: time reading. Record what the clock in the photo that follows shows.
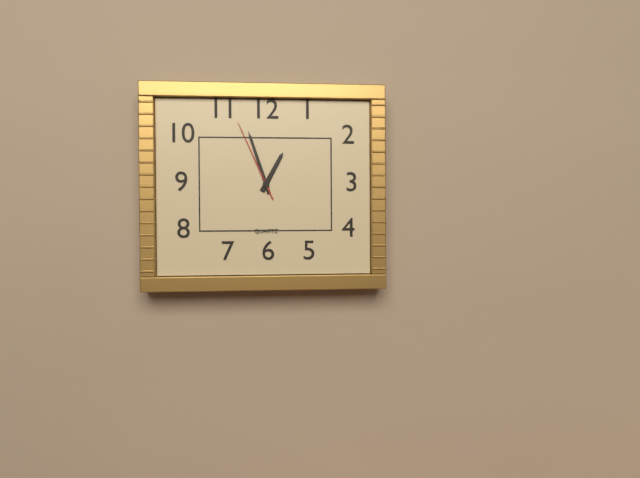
12:57:56
